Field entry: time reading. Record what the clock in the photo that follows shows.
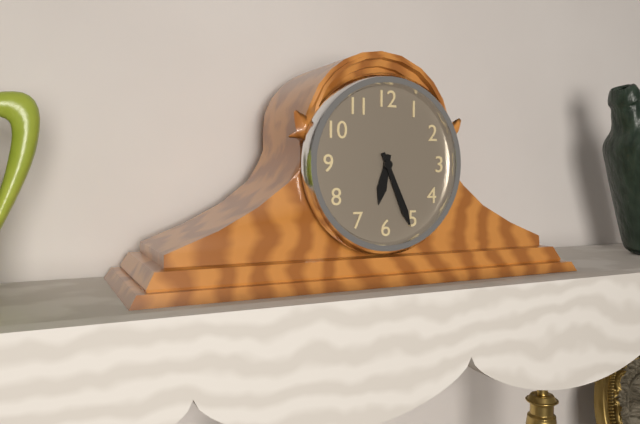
6:26
